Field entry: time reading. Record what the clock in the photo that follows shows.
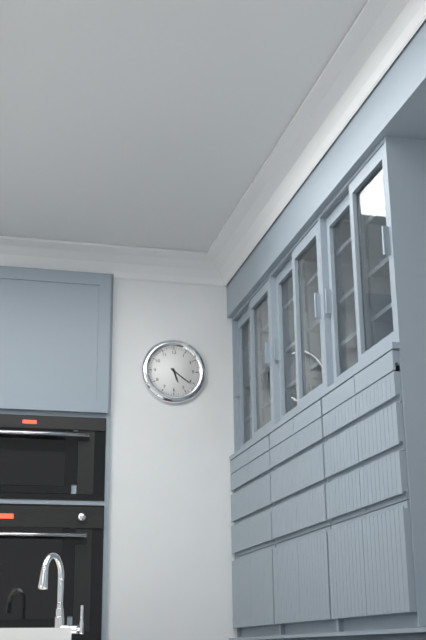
5:21
